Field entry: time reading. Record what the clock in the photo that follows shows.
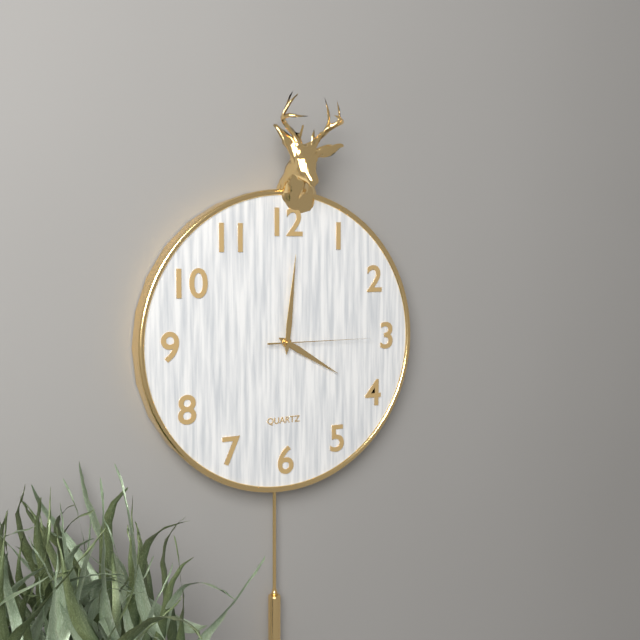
4:01:15
